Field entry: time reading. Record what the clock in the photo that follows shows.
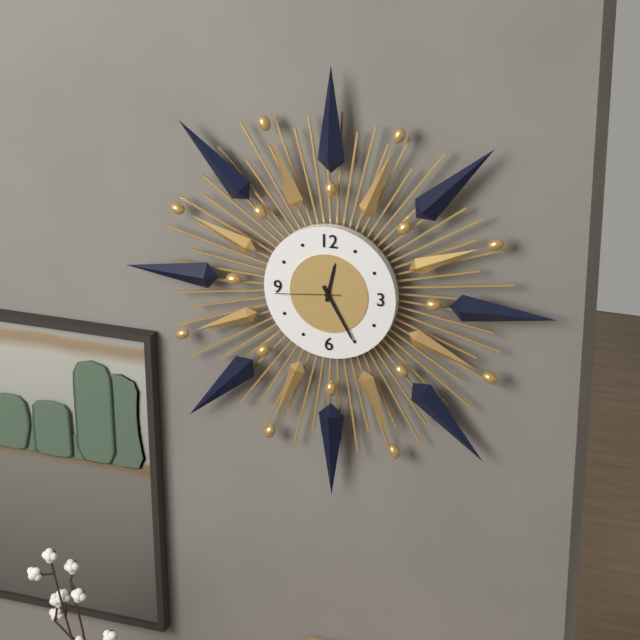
12:25:44
